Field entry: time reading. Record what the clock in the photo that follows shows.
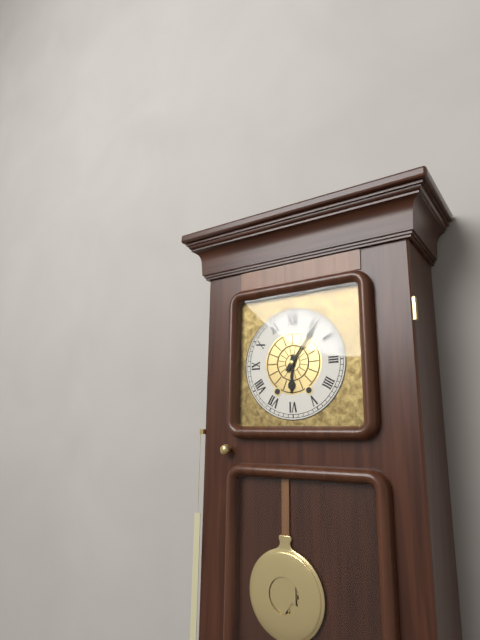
6:06
